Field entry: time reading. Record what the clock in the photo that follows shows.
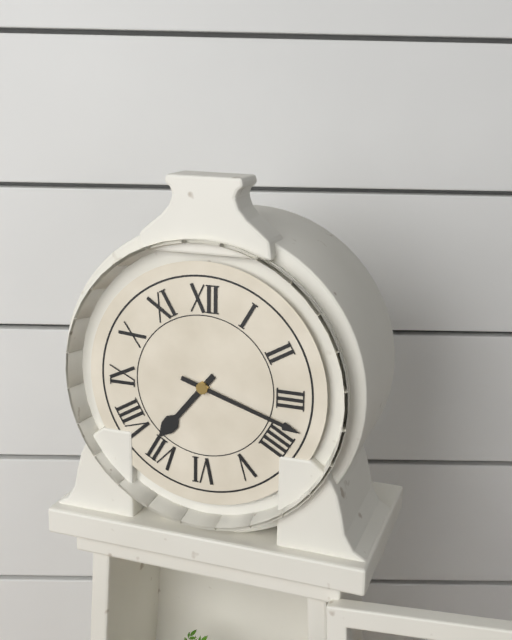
7:18
